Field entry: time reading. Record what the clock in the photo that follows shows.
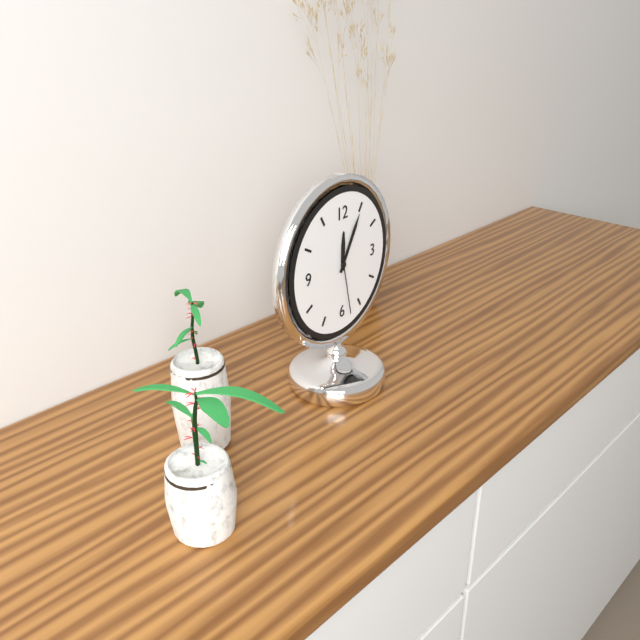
12:05:28
